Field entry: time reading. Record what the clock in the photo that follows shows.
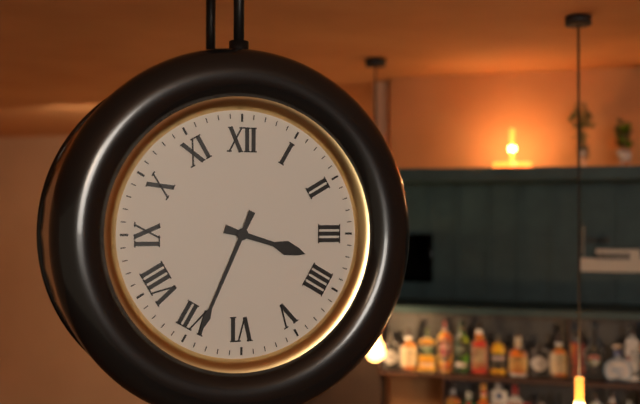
3:34
